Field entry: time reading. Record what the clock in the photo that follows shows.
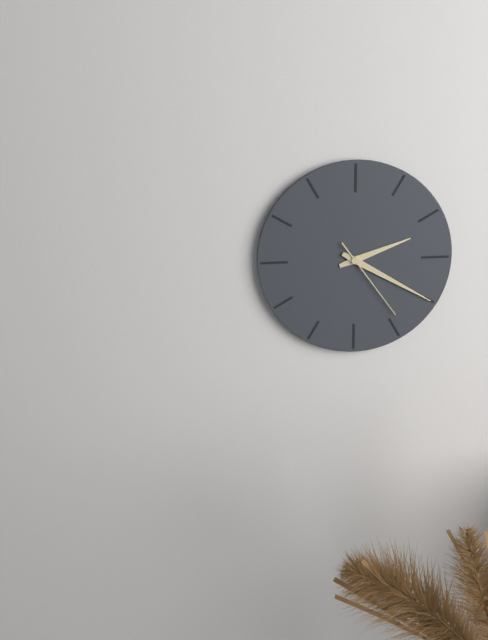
2:20:24
